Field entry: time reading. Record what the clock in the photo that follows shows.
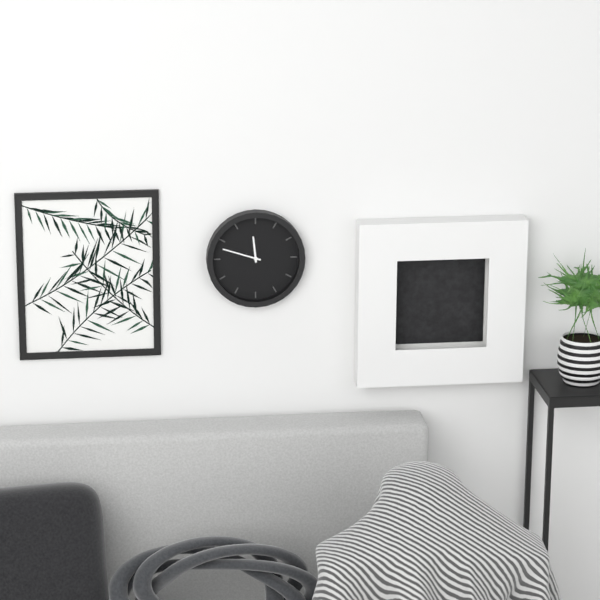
11:48
